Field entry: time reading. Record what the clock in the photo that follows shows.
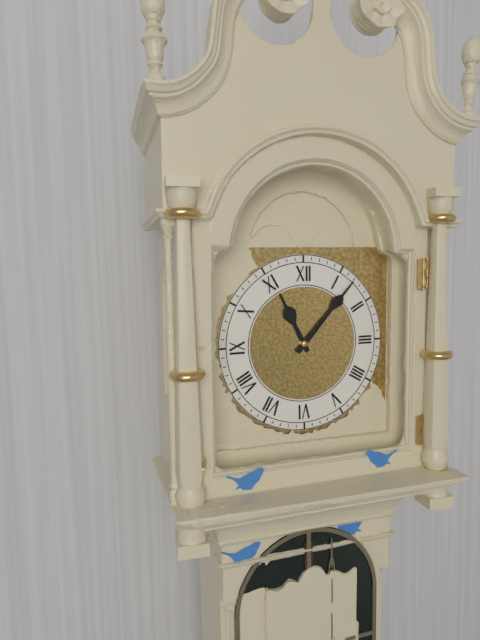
11:07
